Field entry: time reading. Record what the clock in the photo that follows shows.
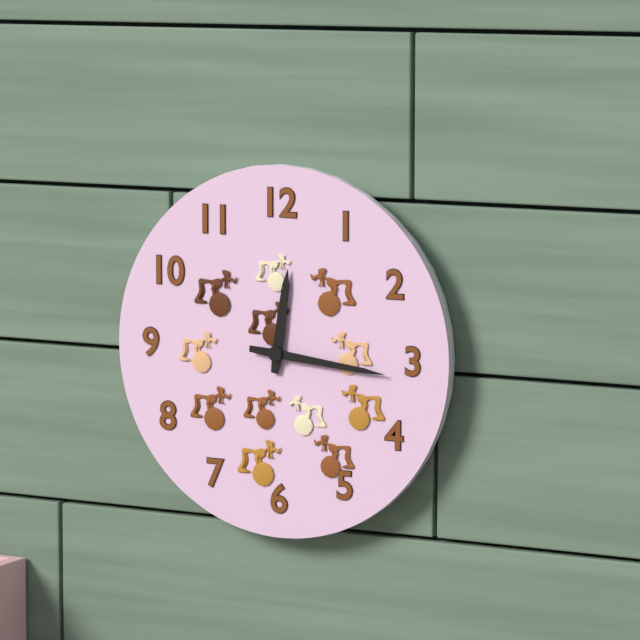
12:16
